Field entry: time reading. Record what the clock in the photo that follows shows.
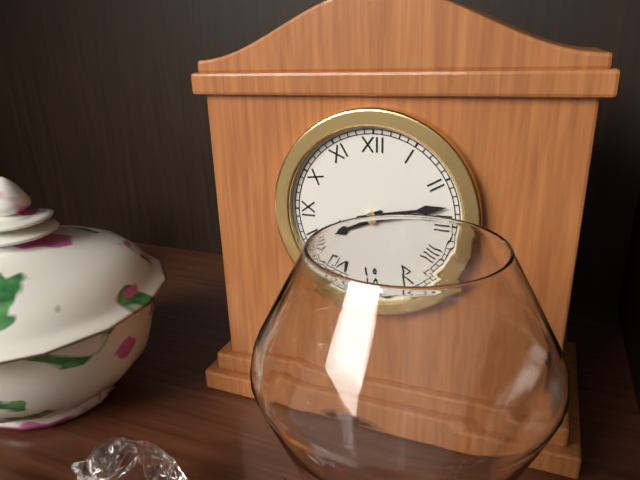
8:13
